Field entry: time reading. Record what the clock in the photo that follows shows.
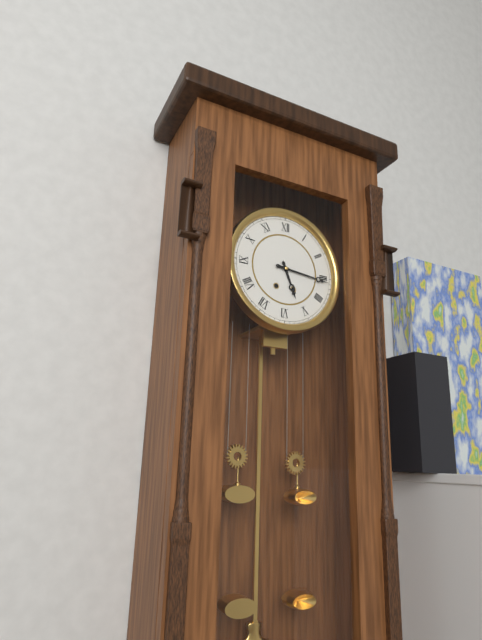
5:16
